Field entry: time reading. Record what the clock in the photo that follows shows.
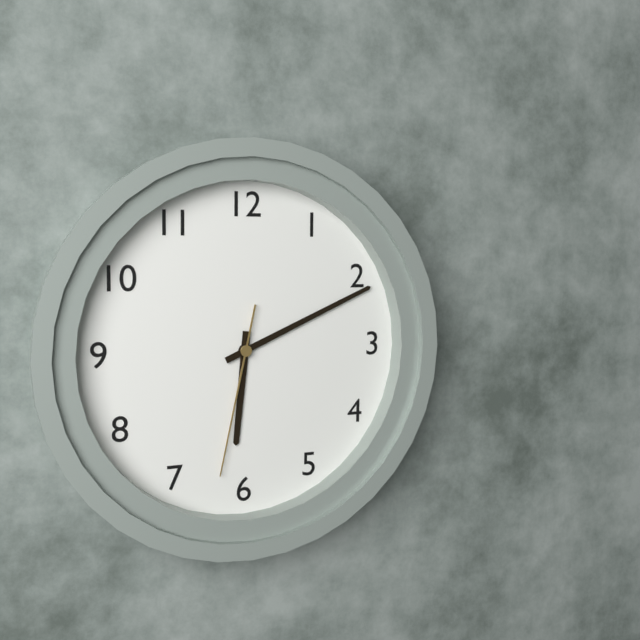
6:11:32
